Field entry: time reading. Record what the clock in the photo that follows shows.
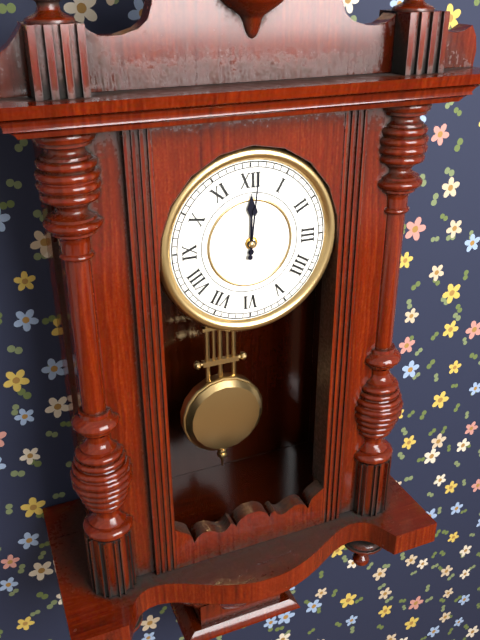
12:01
